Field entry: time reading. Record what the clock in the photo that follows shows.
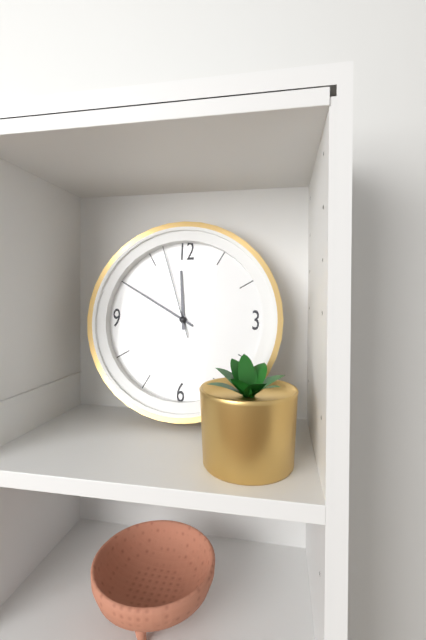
11:50:57
